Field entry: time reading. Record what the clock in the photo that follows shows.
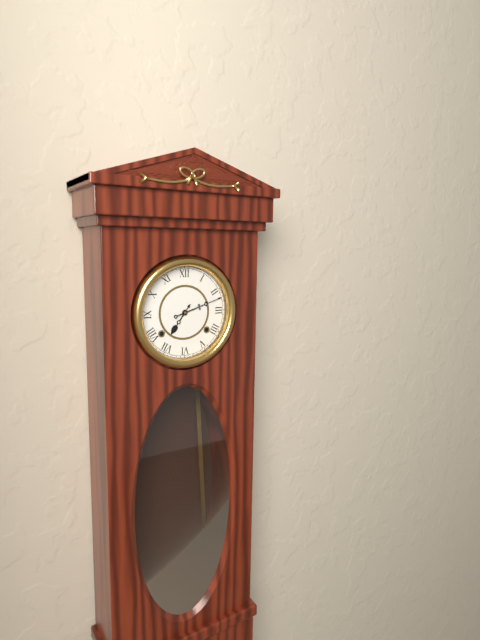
7:12
